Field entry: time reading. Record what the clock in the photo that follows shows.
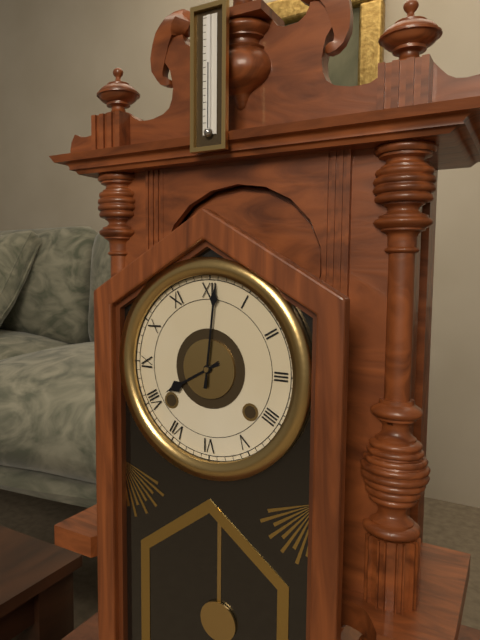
8:01
